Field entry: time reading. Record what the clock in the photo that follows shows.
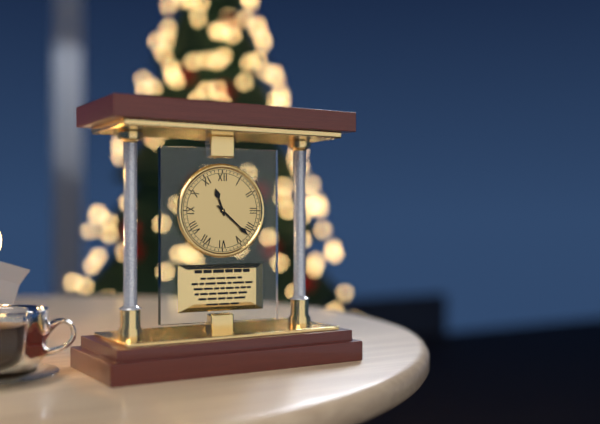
11:22
